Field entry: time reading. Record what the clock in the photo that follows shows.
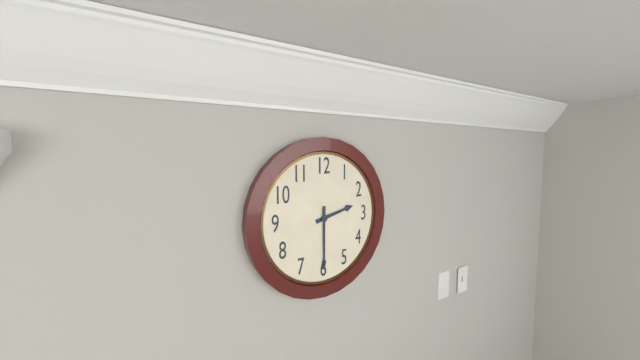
2:30
